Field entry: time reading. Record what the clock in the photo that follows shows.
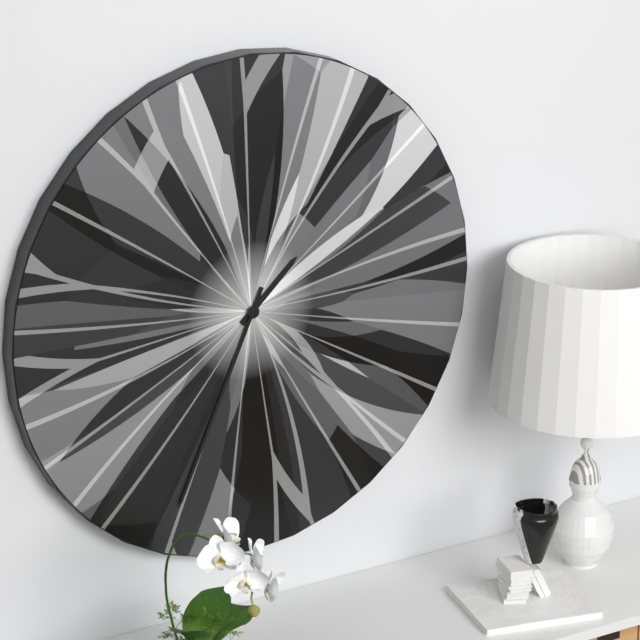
1:34
